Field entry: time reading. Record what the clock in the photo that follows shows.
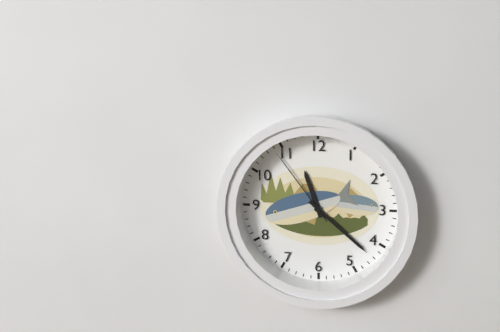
11:22:54
